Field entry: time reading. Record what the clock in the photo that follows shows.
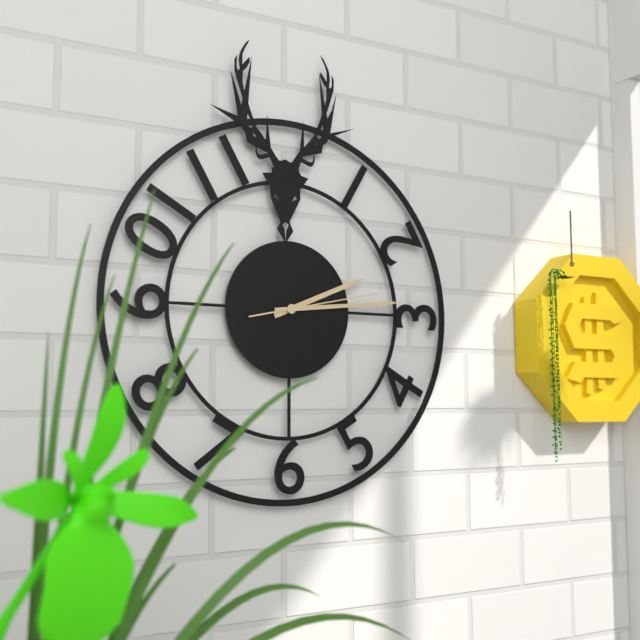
2:14:13
